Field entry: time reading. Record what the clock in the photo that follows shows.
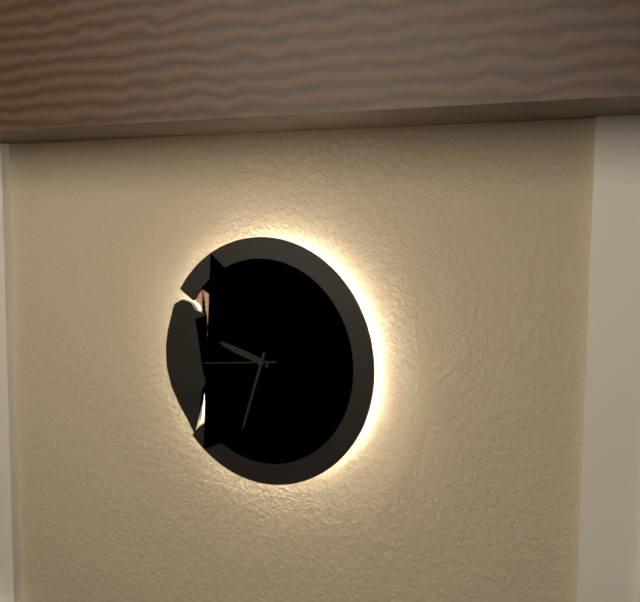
9:33:44
